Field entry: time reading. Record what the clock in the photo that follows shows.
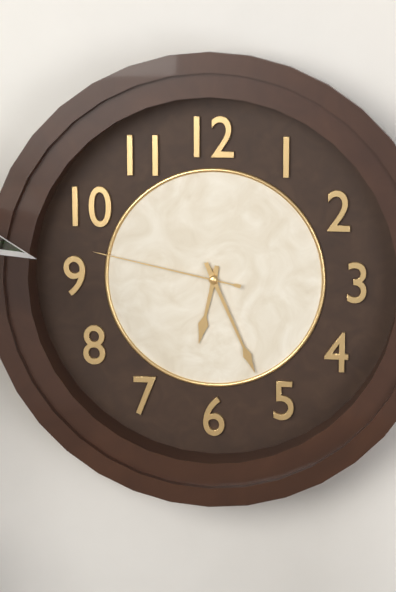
6:26:47
